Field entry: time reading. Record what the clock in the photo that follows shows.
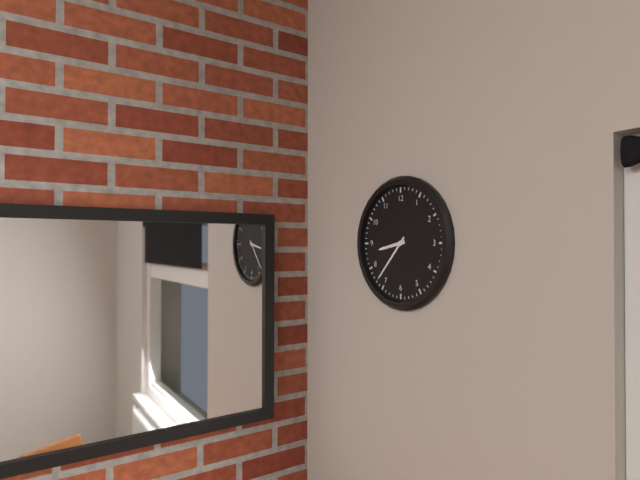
8:37
